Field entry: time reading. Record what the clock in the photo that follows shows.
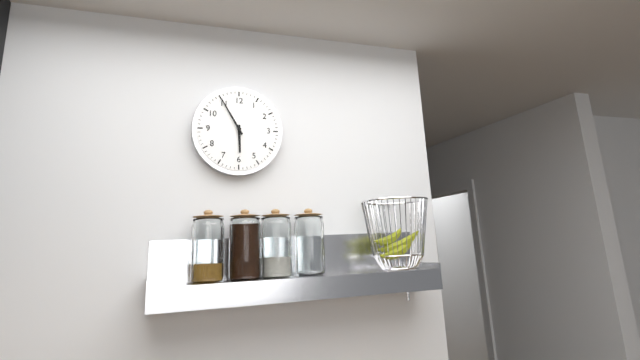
5:55
